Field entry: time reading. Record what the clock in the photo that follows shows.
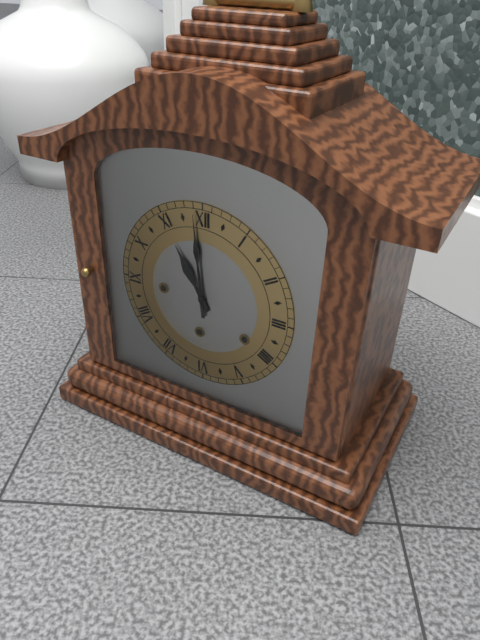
10:59
